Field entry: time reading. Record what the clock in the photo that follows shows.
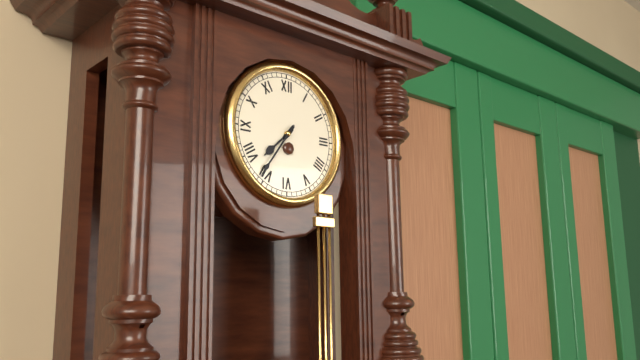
7:36
